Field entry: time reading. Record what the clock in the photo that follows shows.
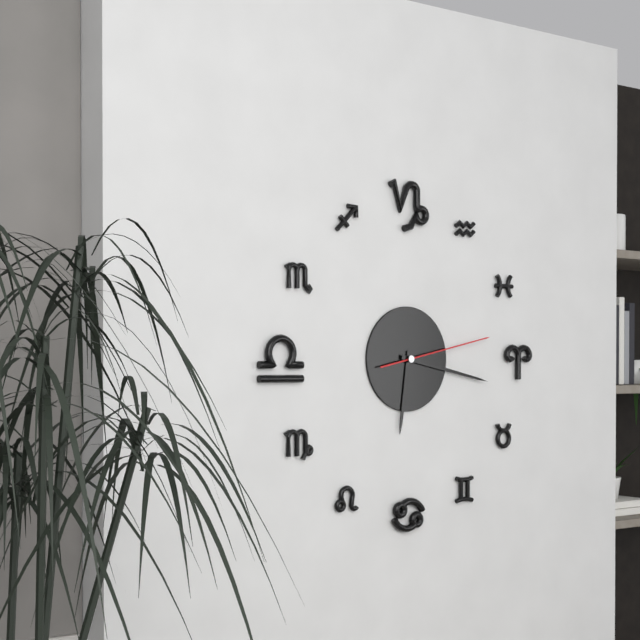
6:17:13
